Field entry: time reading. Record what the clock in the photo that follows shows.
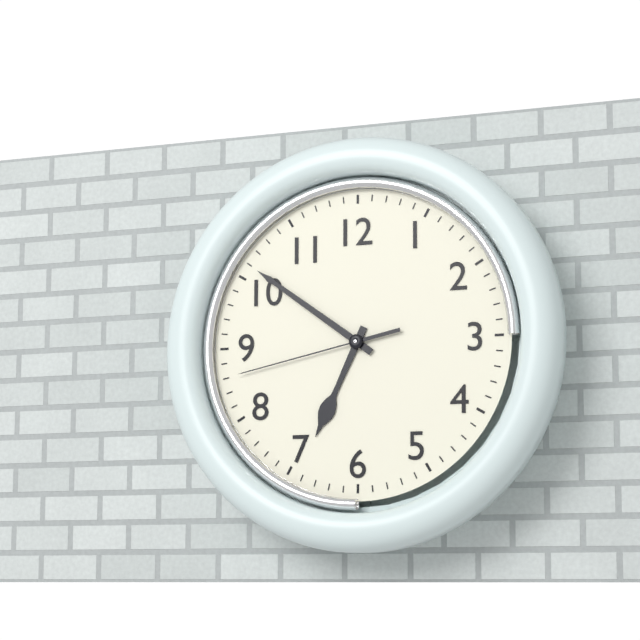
6:51:43
